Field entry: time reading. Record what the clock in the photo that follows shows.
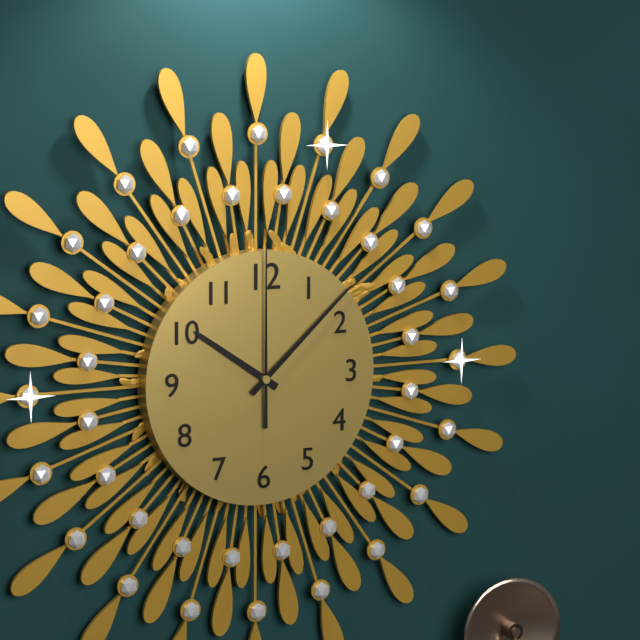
10:08:00
